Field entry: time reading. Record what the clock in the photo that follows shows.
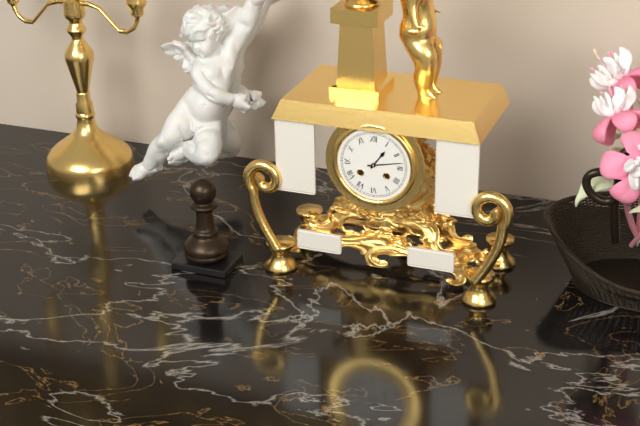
1:13
